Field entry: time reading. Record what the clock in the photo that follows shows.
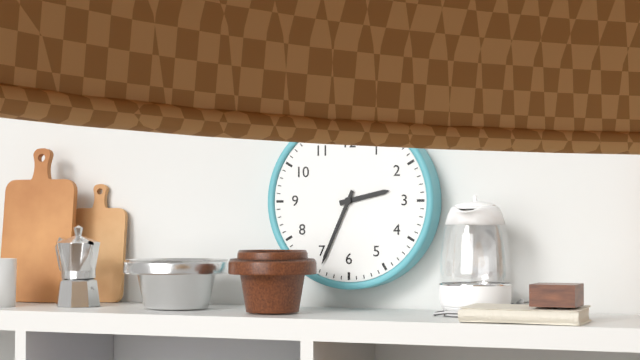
2:34
